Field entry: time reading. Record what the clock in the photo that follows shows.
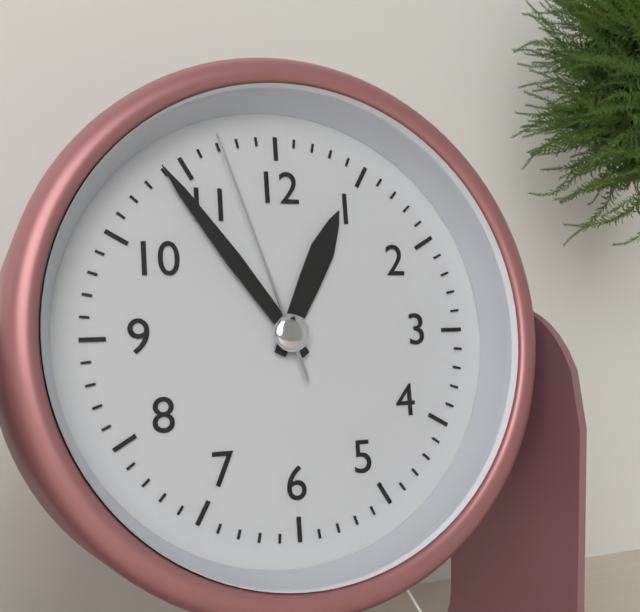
12:54:57
